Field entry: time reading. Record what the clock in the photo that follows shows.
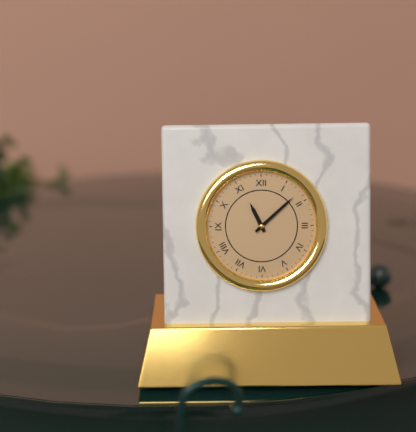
11:08
